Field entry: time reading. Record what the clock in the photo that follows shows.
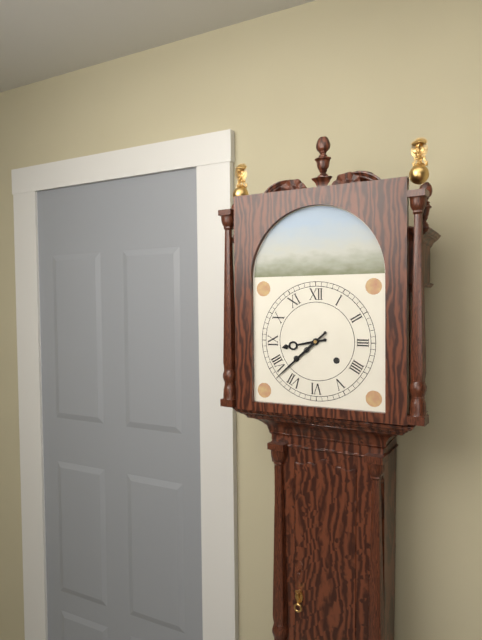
8:38
